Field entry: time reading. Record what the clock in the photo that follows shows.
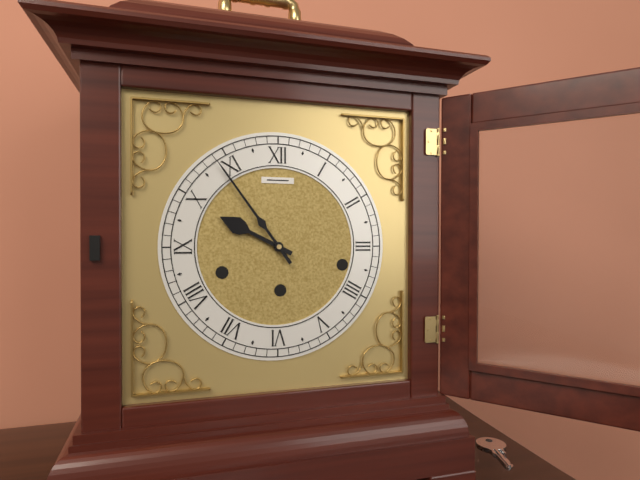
9:54
